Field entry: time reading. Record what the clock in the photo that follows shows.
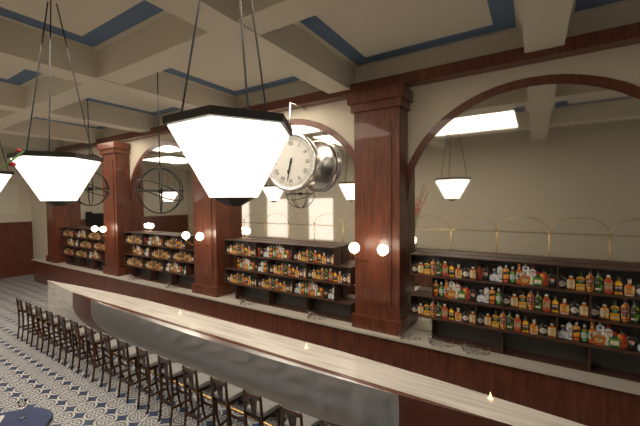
6:32
